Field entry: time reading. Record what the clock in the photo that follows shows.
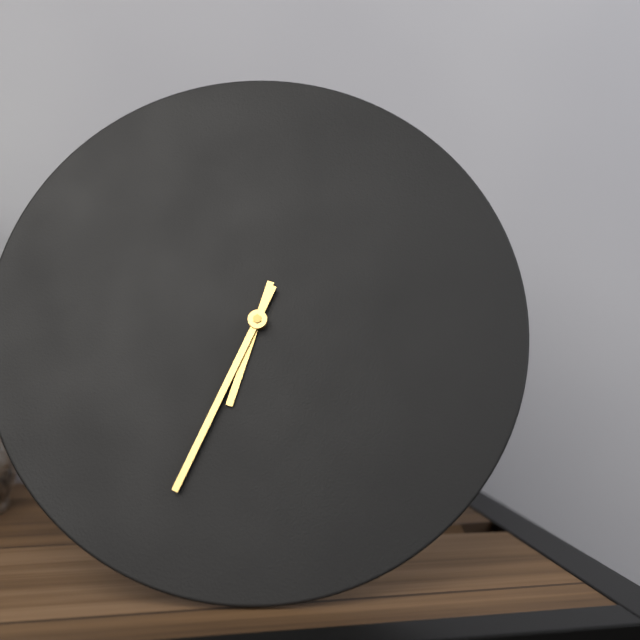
6:34
